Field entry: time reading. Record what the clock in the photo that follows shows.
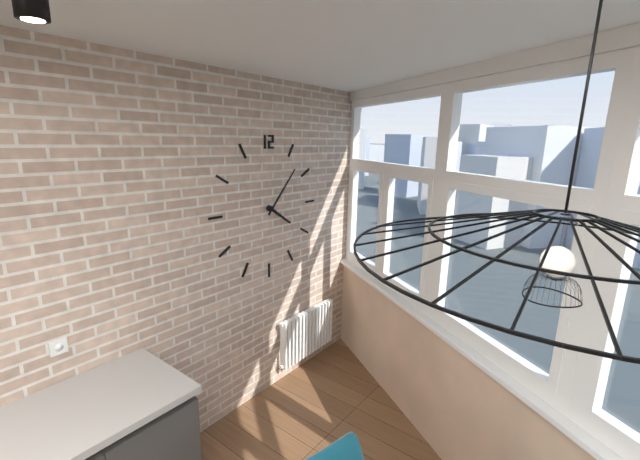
4:07
